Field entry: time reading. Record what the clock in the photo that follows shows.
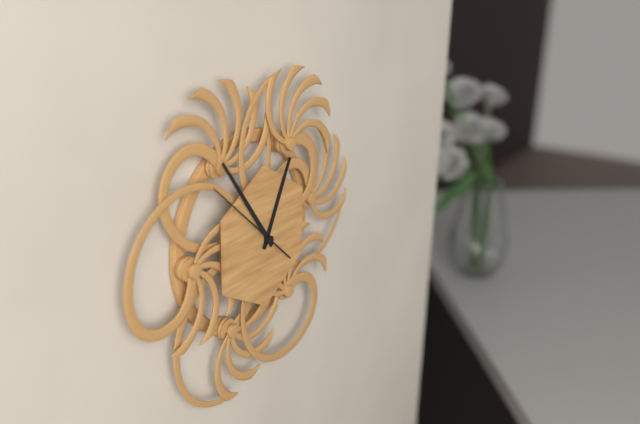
12:54:52
